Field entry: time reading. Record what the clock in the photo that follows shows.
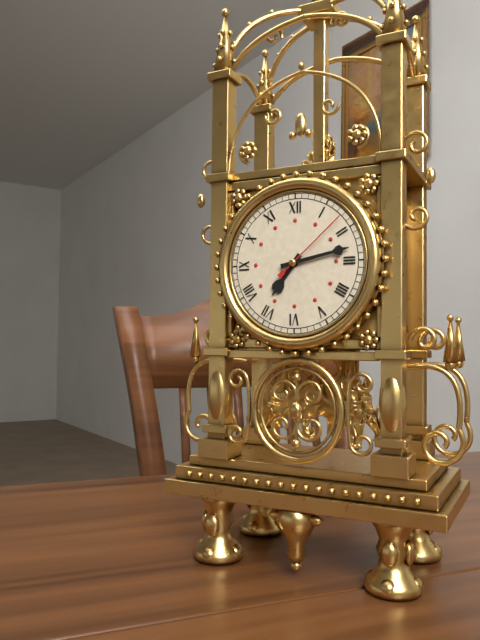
7:13:08
